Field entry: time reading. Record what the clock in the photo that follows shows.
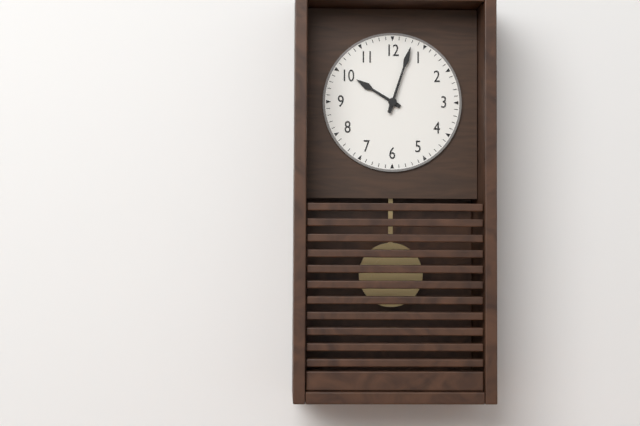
10:03
